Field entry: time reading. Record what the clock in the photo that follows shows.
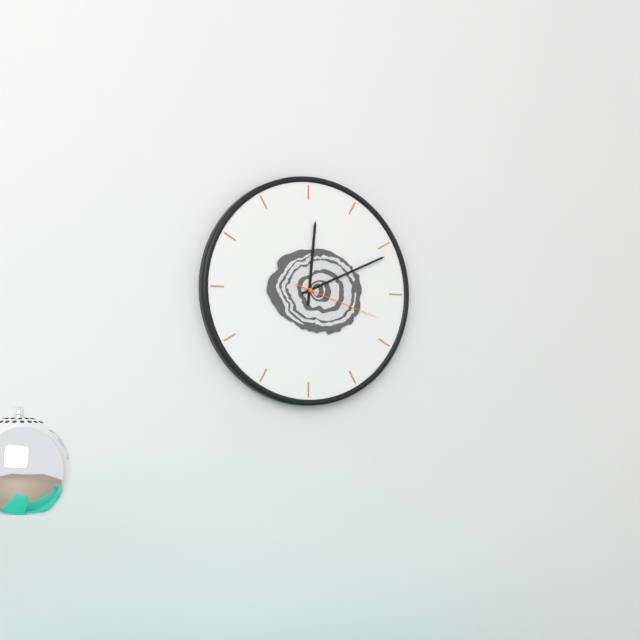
12:11:18
